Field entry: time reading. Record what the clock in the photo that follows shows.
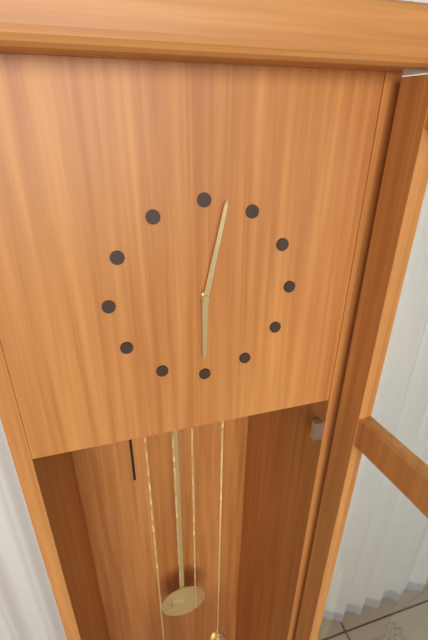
6:02
